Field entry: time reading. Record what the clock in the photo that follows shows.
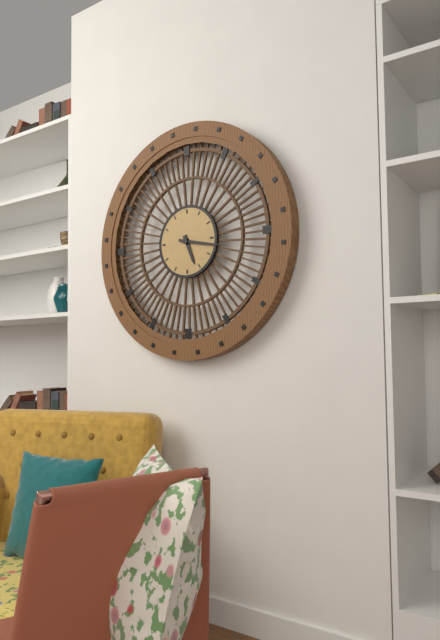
5:17
